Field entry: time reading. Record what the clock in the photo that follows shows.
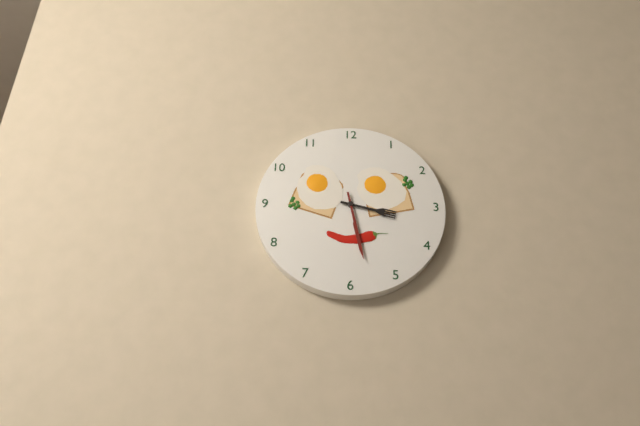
3:28
